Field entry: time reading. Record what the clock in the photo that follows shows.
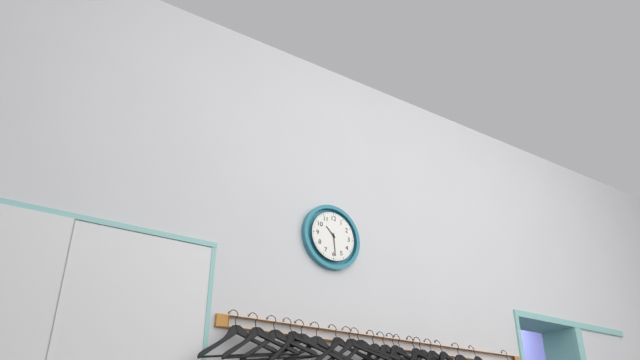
10:29
